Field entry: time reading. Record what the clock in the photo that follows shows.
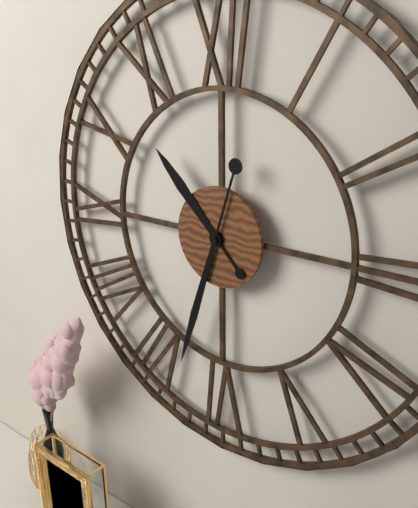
10:33
